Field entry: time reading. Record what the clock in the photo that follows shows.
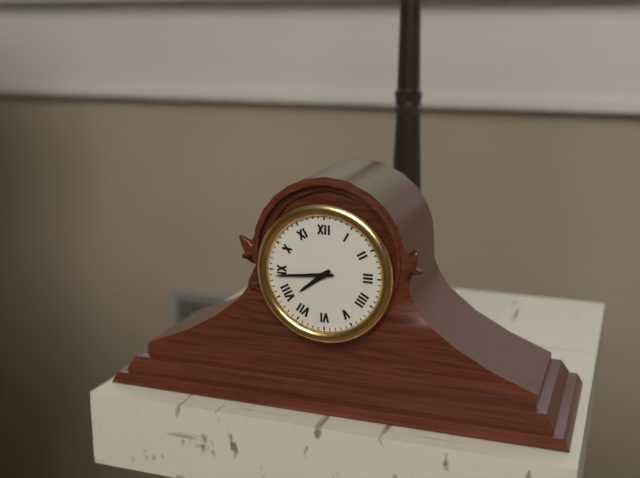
7:44
